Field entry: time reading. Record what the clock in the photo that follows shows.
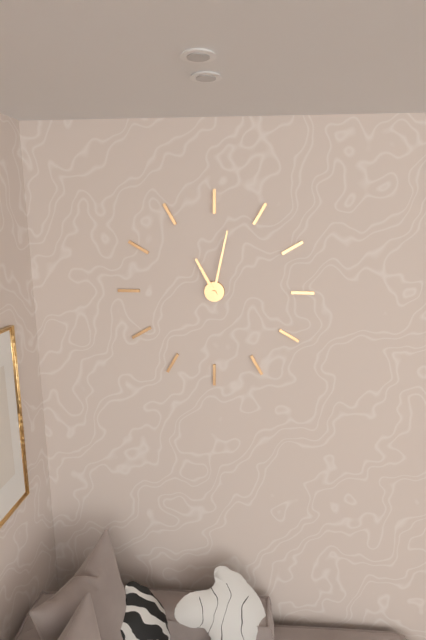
11:02
